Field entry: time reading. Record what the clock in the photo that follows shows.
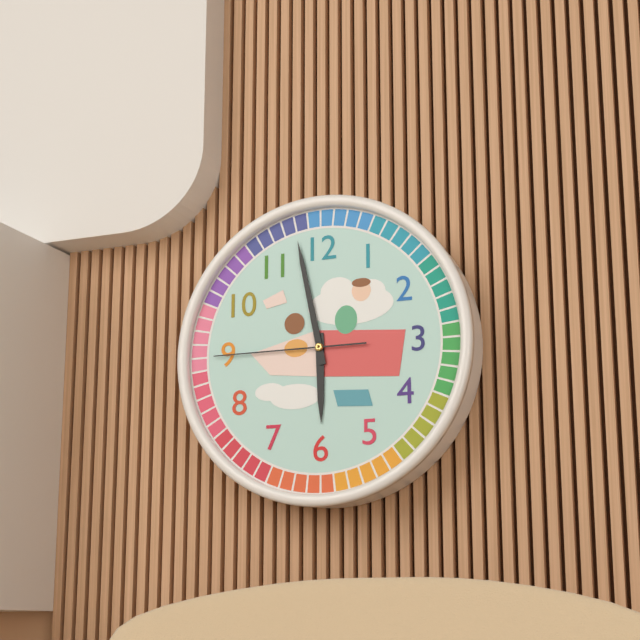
5:58:45
